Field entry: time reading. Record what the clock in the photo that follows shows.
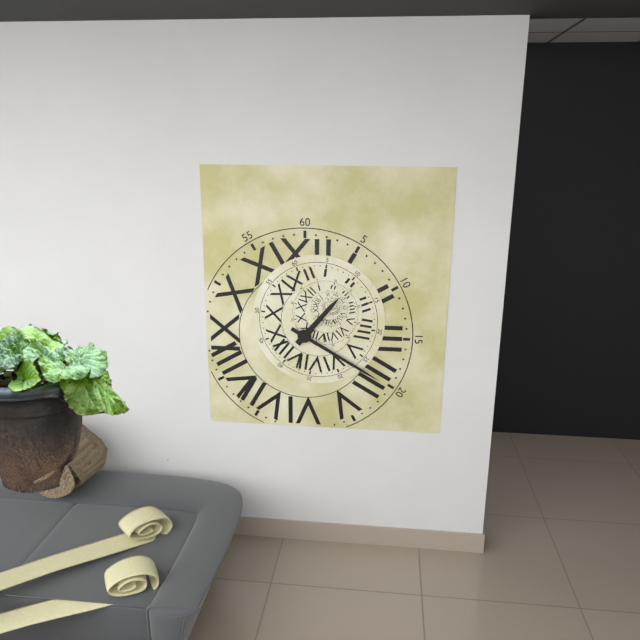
1:20
